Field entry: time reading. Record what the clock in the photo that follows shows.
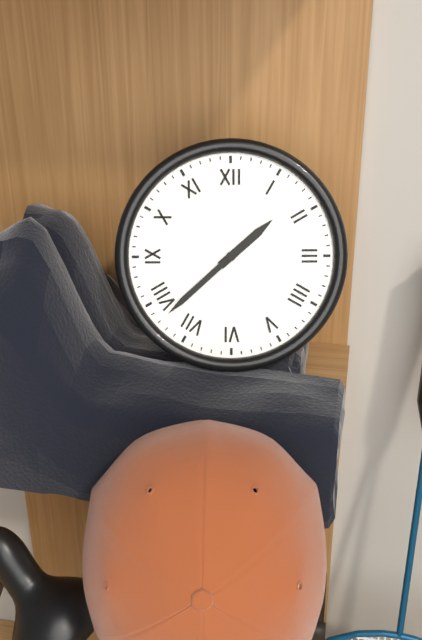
1:38
